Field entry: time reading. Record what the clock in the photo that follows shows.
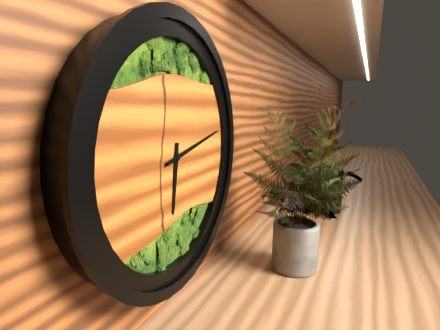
6:13
